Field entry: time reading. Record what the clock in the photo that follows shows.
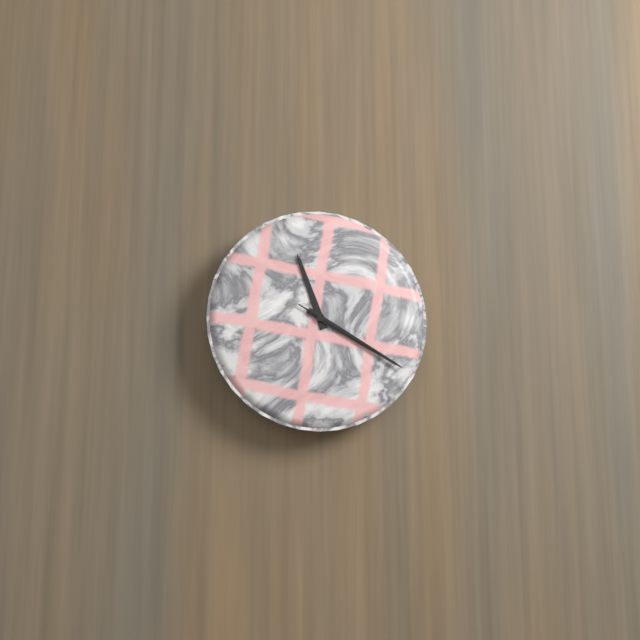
11:20:20
